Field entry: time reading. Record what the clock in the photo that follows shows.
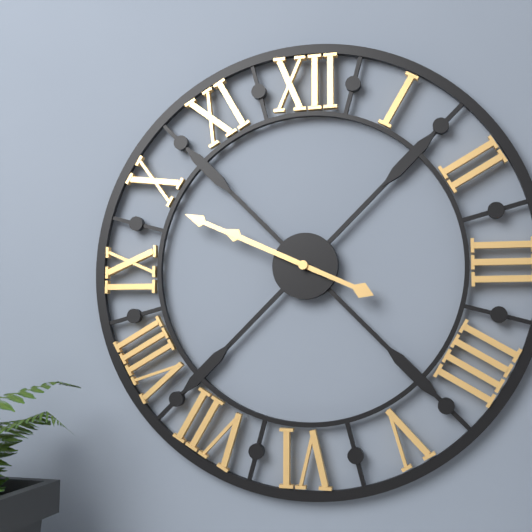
9:49
